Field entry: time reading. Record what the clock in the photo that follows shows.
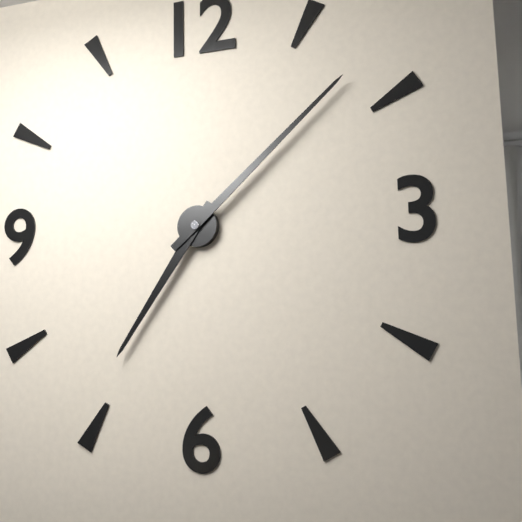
7:08
